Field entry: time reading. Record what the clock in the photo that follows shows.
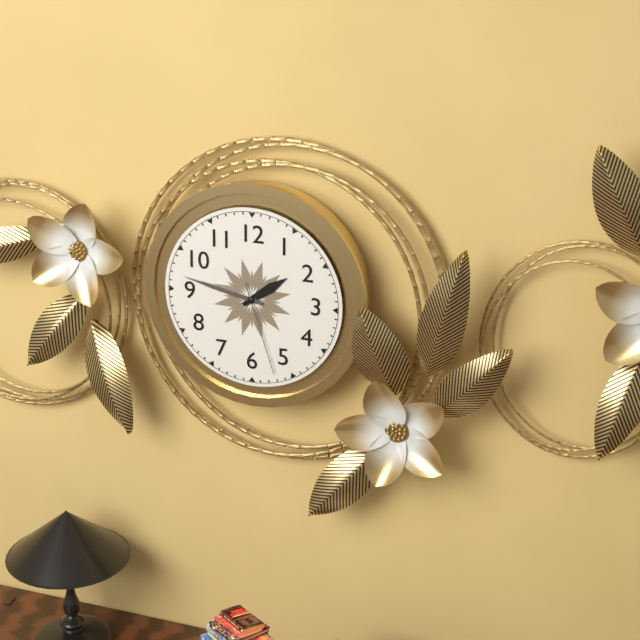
1:47:27
